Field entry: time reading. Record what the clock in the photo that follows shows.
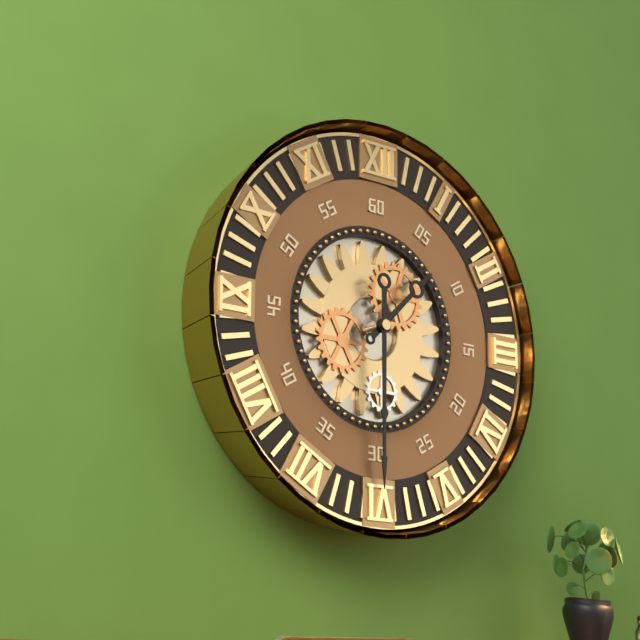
1:30
